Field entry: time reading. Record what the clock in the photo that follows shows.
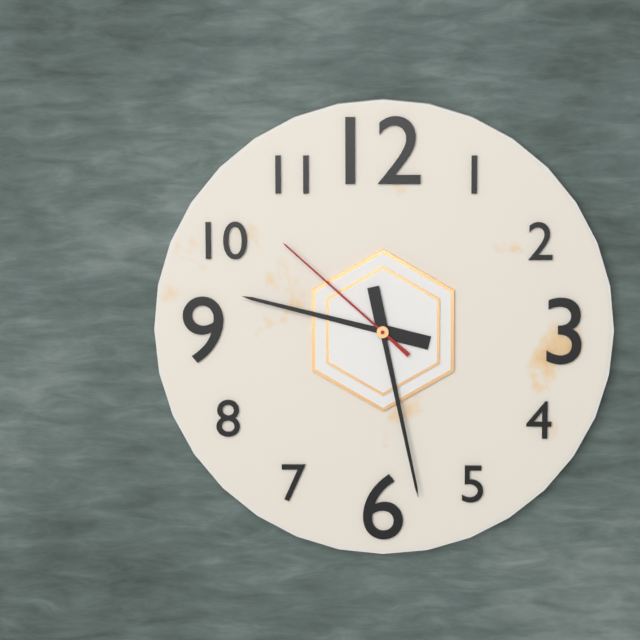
9:28:52
